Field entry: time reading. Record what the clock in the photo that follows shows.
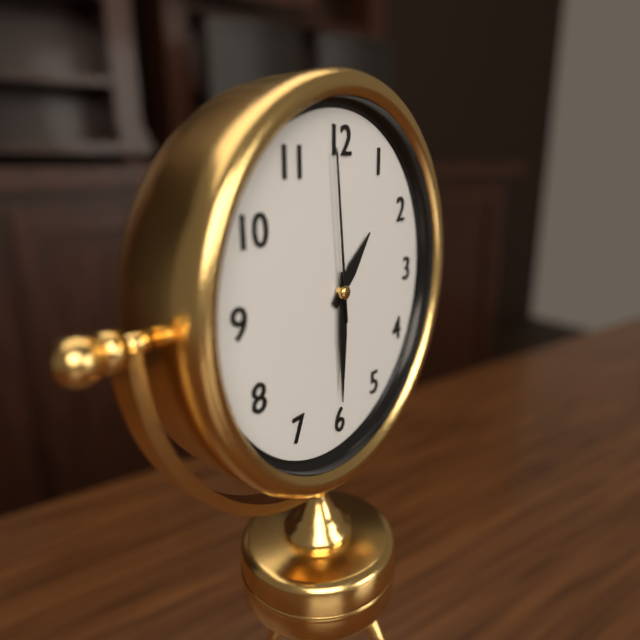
1:30:59
